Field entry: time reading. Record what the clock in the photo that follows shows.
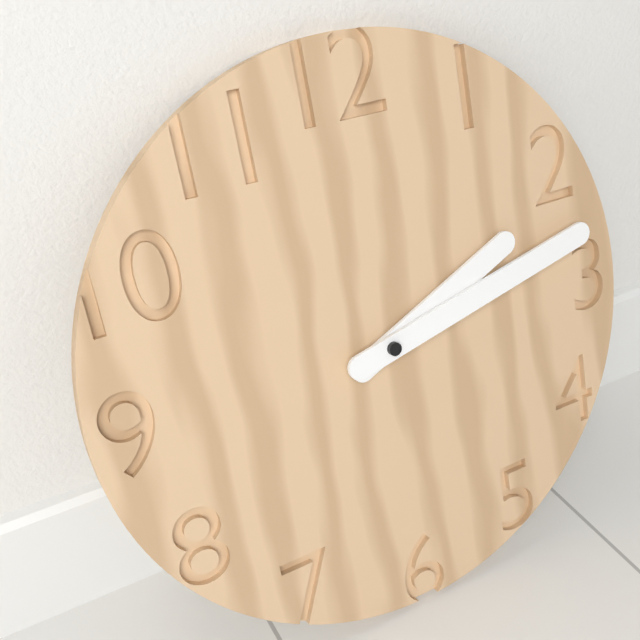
2:13
